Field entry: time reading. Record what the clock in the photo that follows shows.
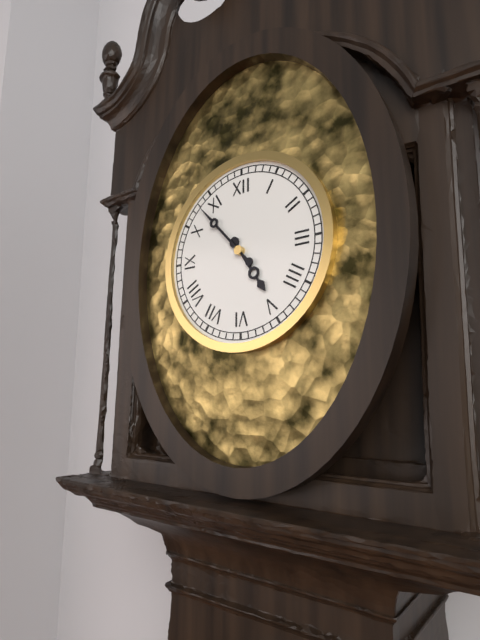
4:53
